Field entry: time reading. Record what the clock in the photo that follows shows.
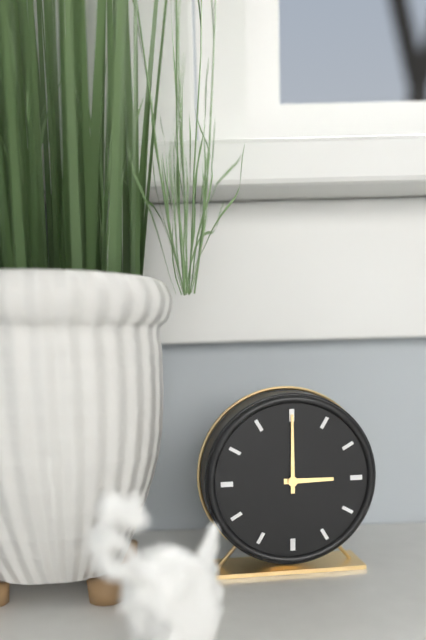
3:00
